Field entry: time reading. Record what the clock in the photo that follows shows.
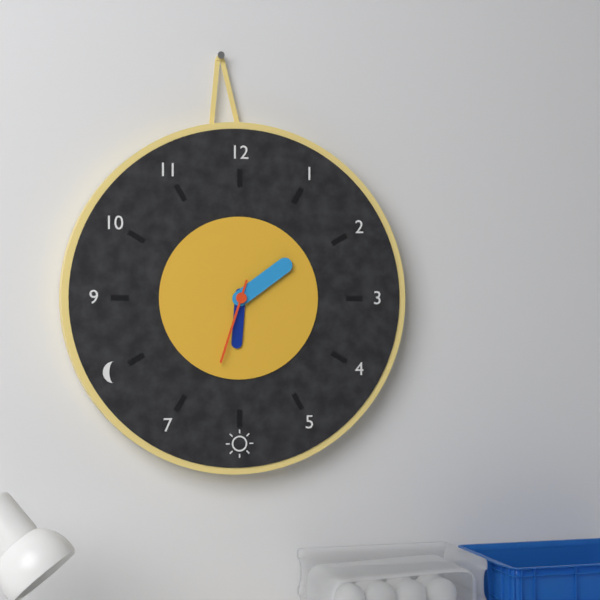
6:09:33
